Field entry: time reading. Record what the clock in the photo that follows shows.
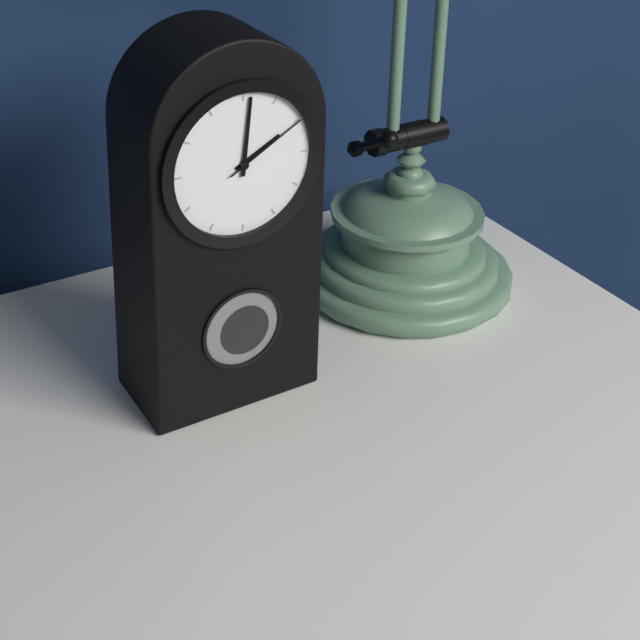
2:01:10
